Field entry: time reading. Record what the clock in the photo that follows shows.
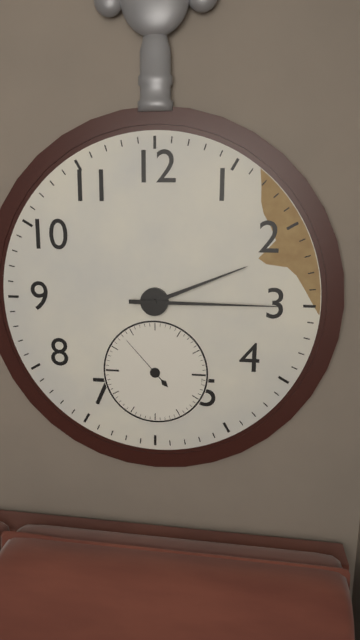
2:15:53
